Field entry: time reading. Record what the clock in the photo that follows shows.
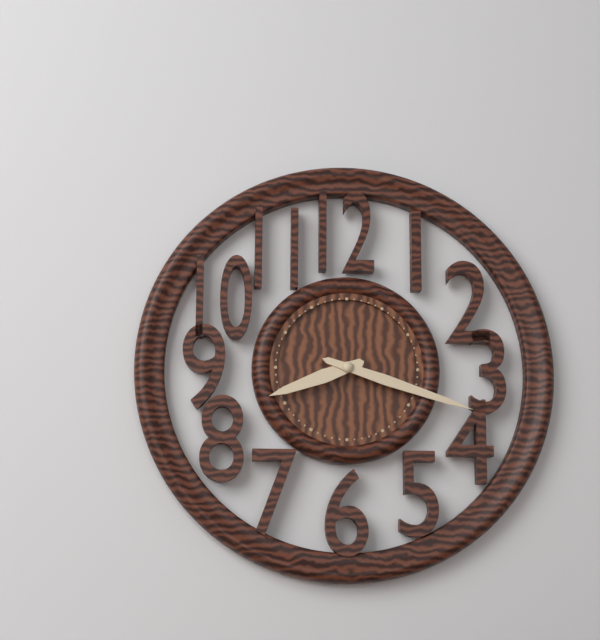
8:18
